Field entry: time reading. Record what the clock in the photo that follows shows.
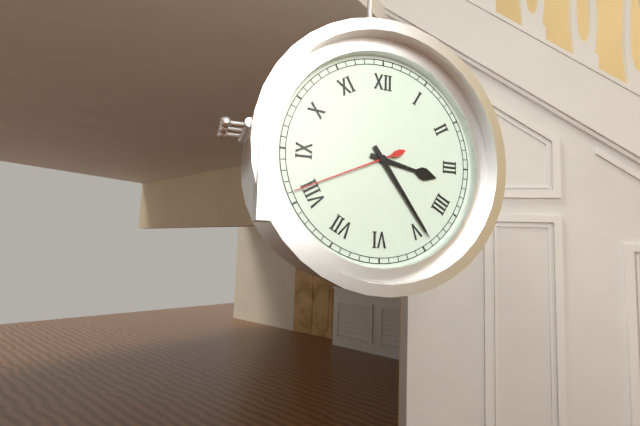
3:24:41
